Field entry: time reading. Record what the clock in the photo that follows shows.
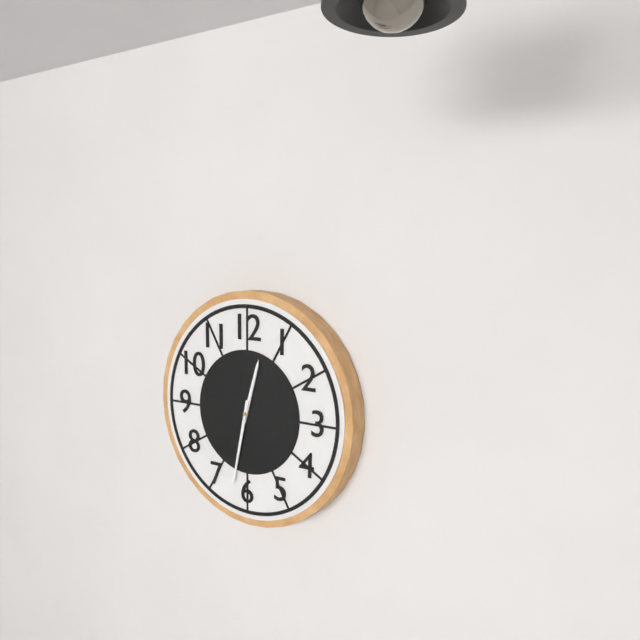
12:32
